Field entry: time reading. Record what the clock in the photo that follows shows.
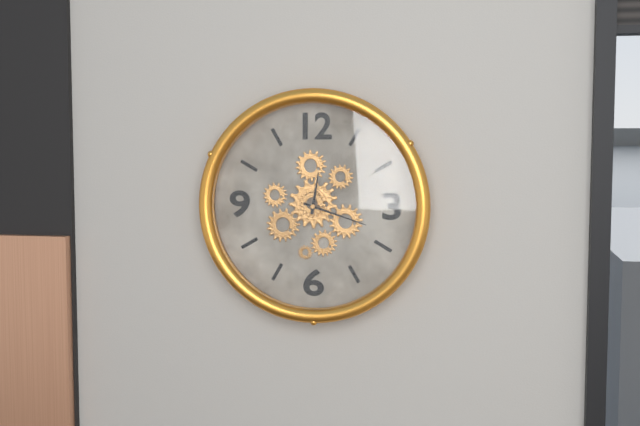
12:18
